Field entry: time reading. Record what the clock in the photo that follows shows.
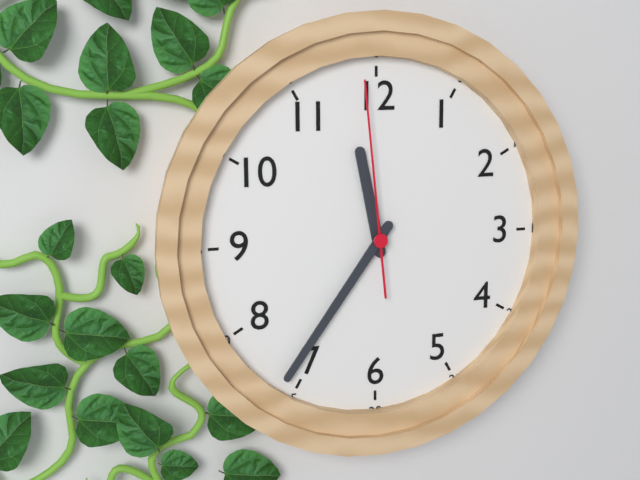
11:36:59
